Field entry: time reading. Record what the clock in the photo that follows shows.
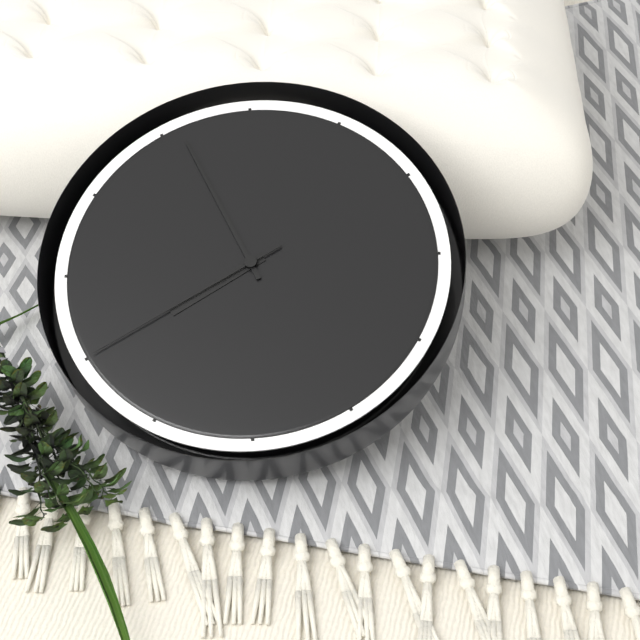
7:56:40
